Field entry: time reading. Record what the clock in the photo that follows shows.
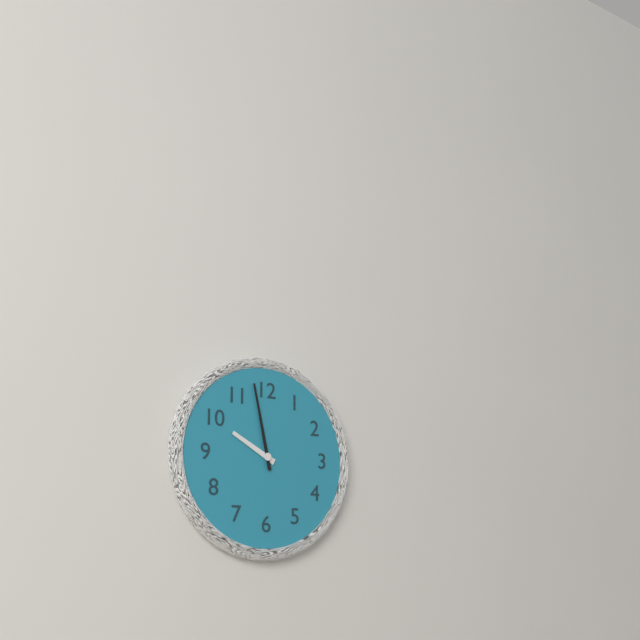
9:58
